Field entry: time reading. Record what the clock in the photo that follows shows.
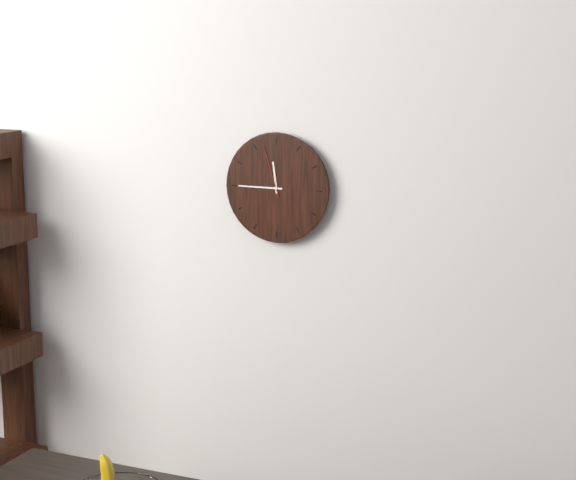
11:45:57
